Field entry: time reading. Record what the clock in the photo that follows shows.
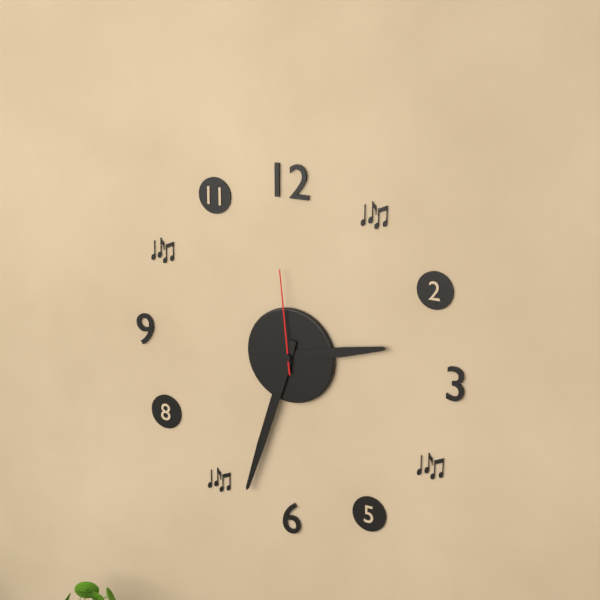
2:33:59
